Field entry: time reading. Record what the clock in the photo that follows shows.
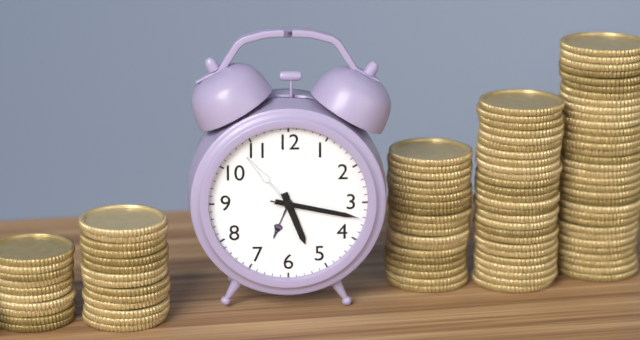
5:17:17
